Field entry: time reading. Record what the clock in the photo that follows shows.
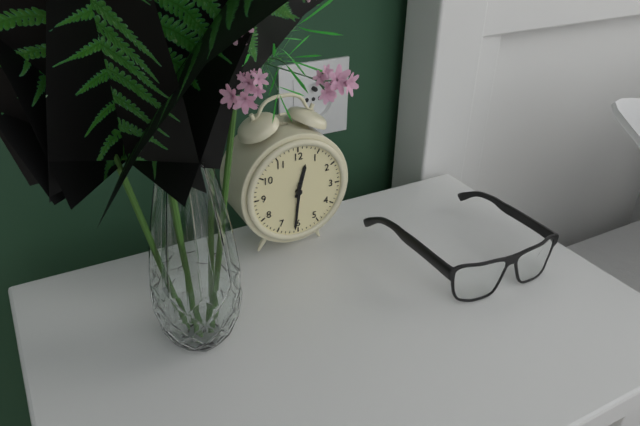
12:31
